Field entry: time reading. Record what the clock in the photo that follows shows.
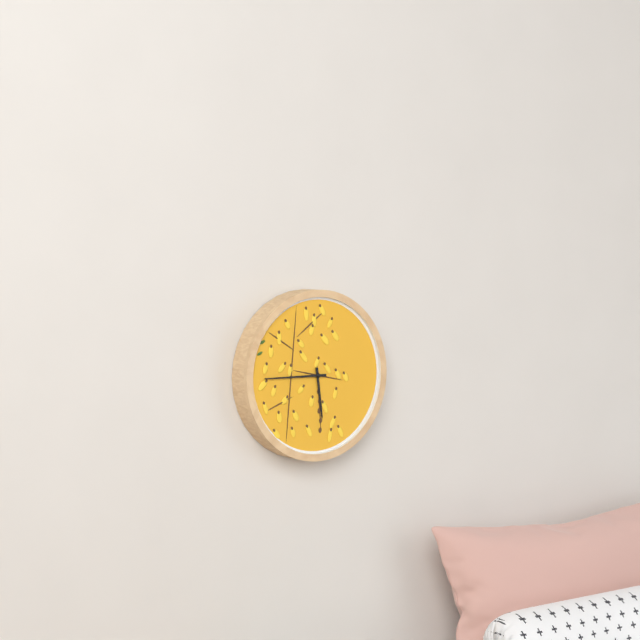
5:45
